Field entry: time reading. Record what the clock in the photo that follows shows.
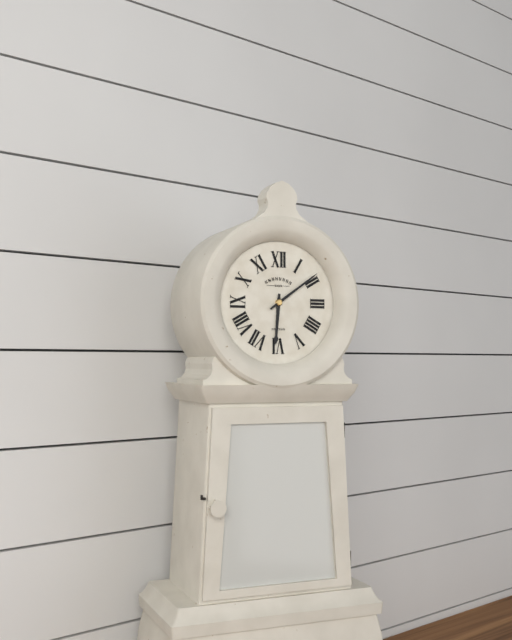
6:09
